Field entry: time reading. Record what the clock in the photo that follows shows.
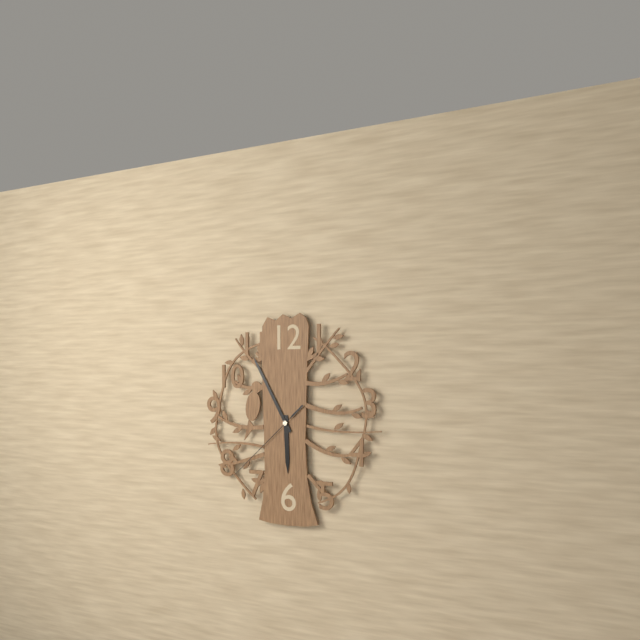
5:55:38
